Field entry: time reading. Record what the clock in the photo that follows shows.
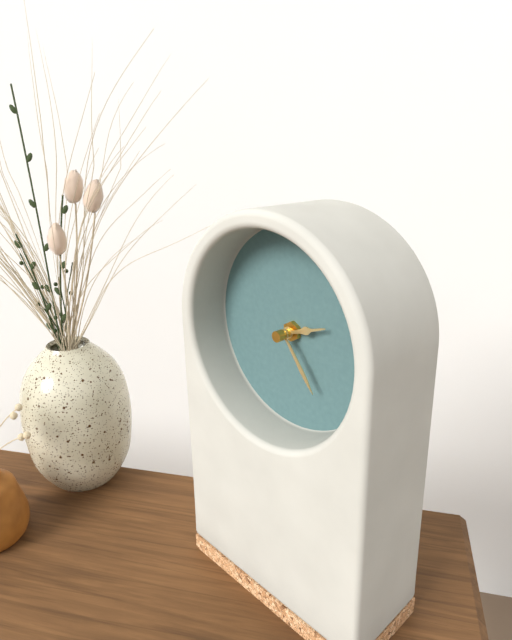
2:24
